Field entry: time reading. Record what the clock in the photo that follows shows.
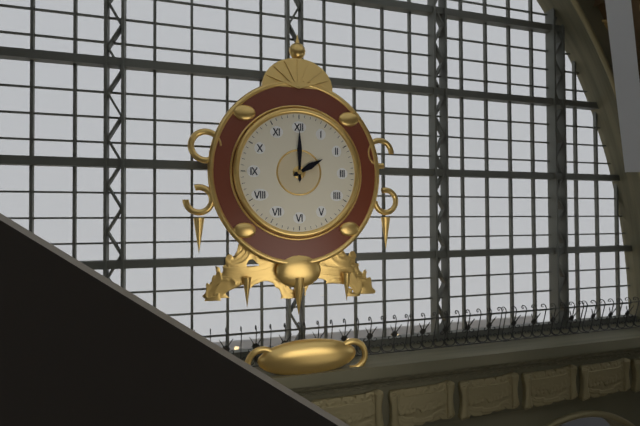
2:00
